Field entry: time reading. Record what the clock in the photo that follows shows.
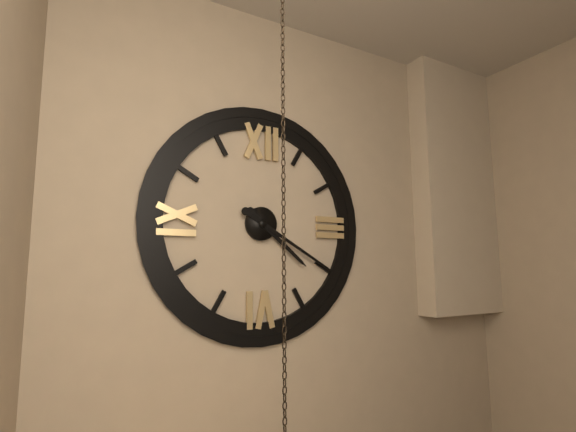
4:20
